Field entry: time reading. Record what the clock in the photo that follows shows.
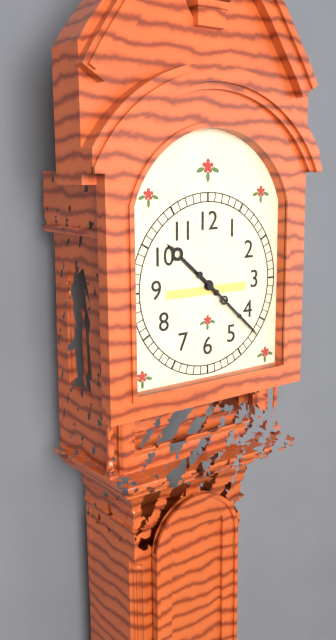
10:22
